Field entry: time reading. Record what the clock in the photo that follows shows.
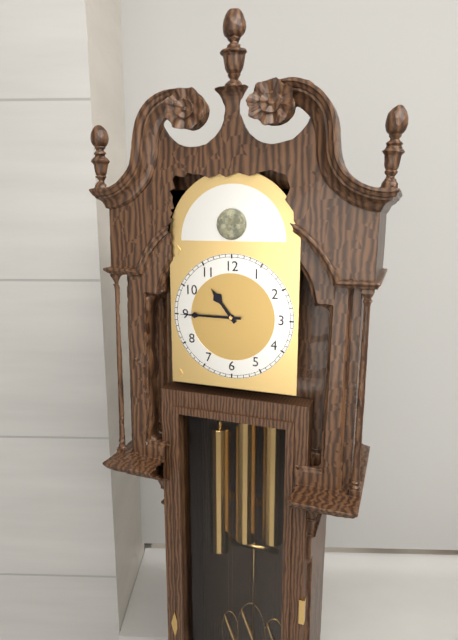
10:45
